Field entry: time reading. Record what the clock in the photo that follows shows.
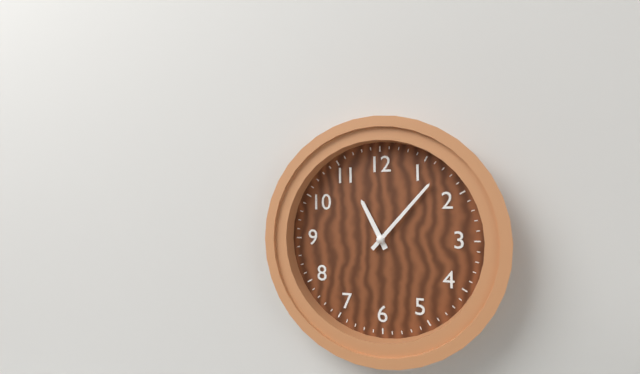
11:07
